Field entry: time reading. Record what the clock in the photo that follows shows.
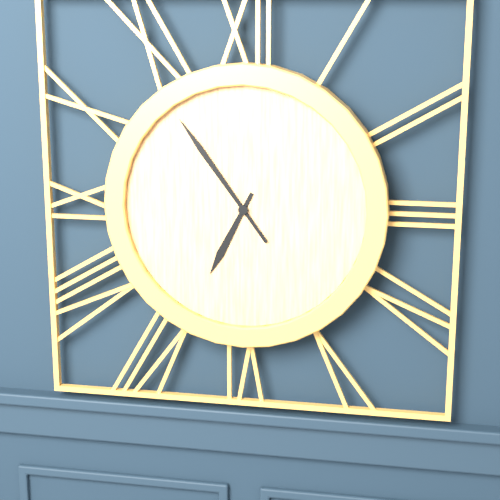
6:54
